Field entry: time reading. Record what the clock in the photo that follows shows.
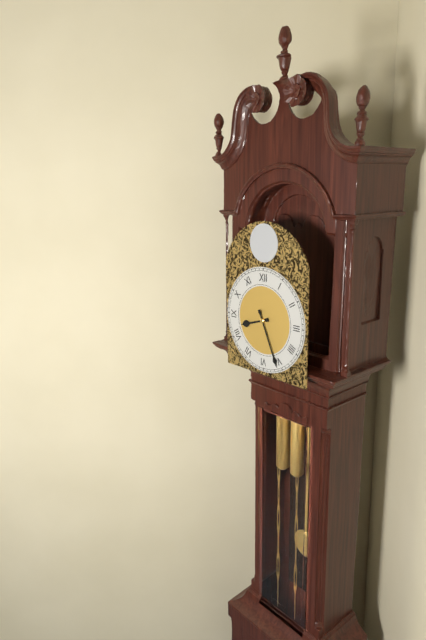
8:26
